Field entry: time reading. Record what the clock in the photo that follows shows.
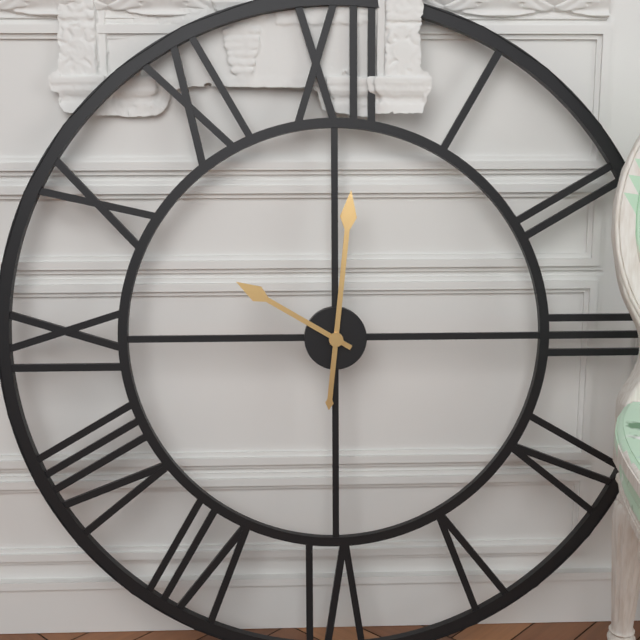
10:01
